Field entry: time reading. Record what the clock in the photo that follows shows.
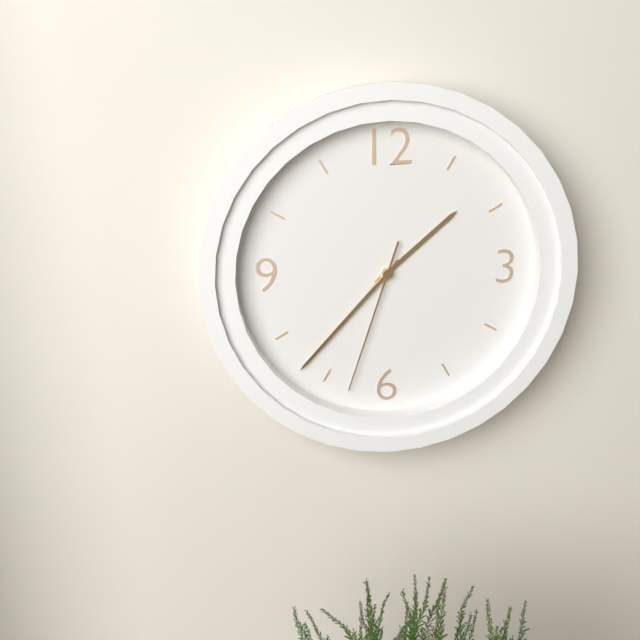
1:37:33
